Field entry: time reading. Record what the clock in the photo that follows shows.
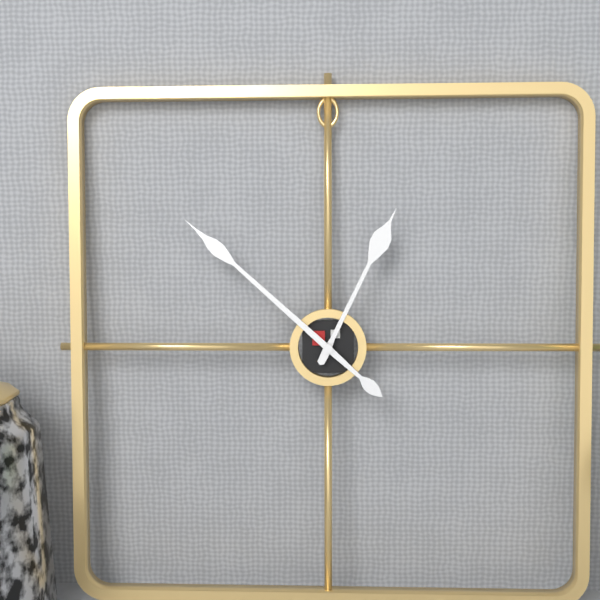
12:52
